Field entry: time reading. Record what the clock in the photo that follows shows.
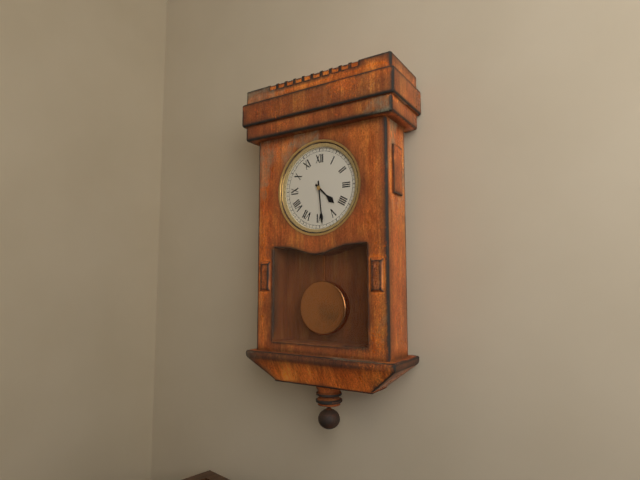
4:29
